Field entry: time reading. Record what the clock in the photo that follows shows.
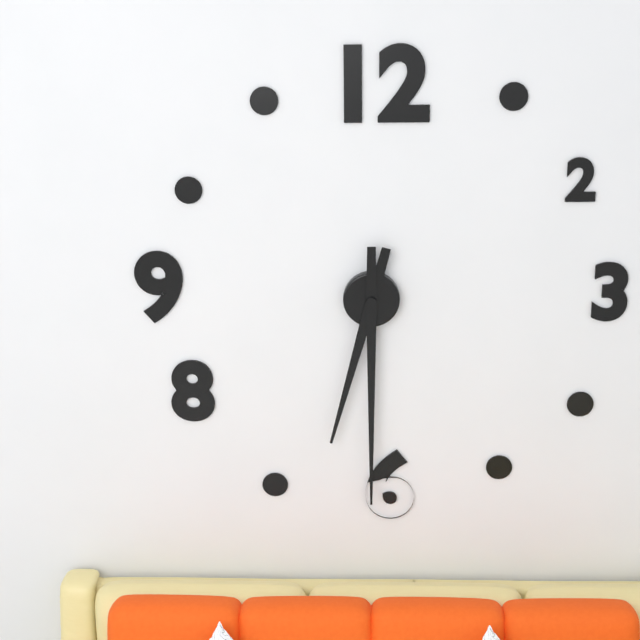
6:30
